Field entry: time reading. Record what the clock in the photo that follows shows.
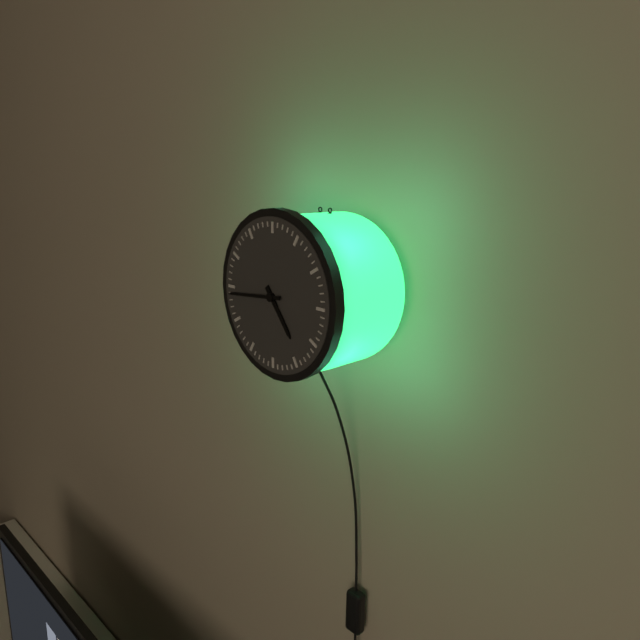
4:44
